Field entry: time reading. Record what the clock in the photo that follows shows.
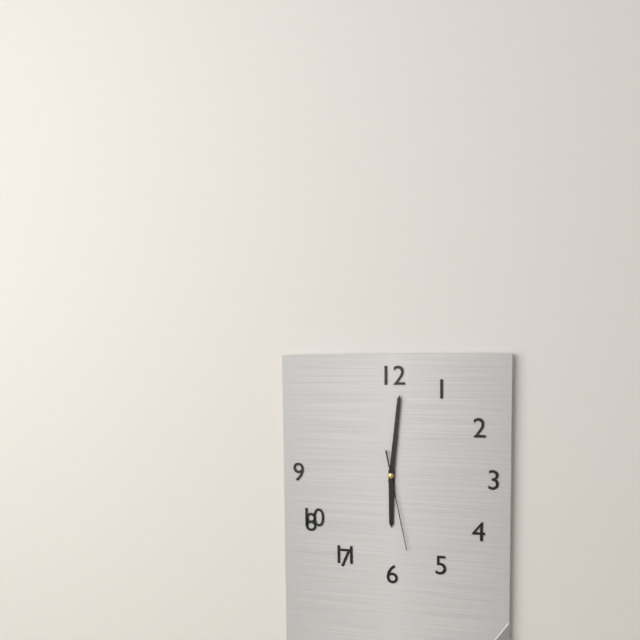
6:01:28
